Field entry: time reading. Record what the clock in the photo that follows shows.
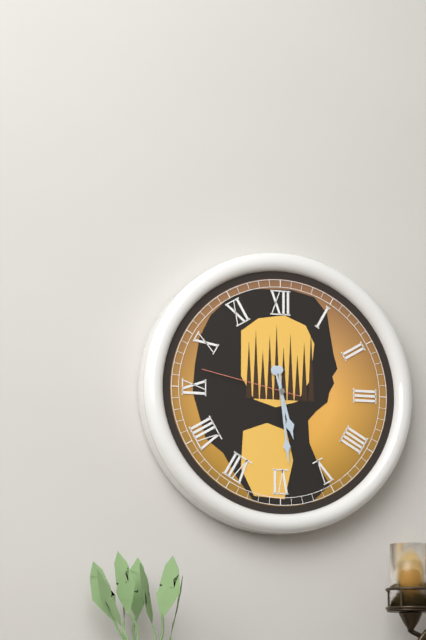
5:29:47
